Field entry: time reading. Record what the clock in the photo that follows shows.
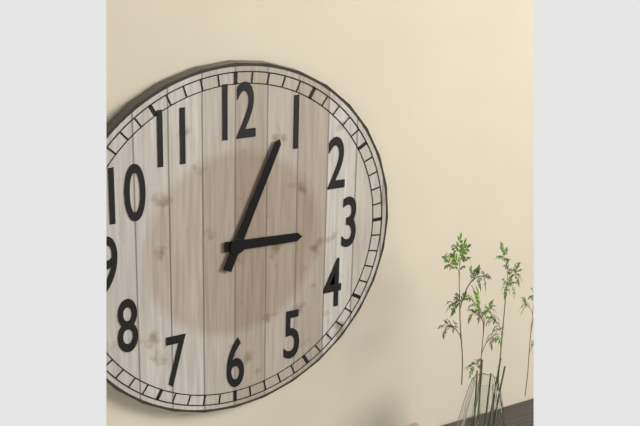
3:04
